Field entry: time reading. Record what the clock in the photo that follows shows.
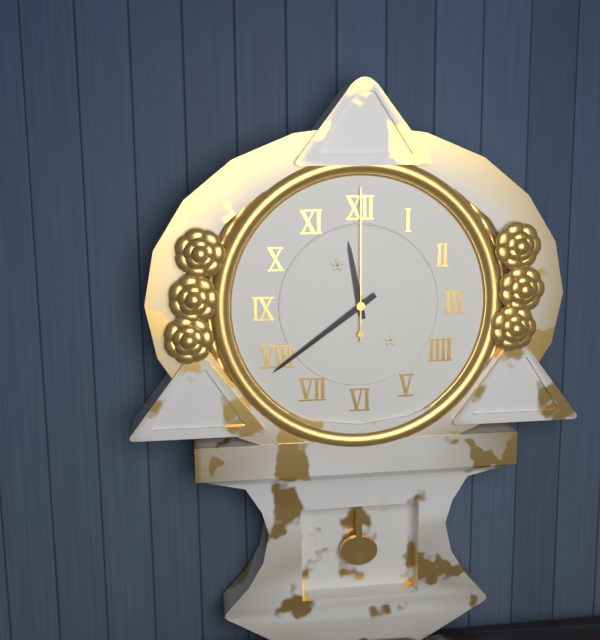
11:39:00
